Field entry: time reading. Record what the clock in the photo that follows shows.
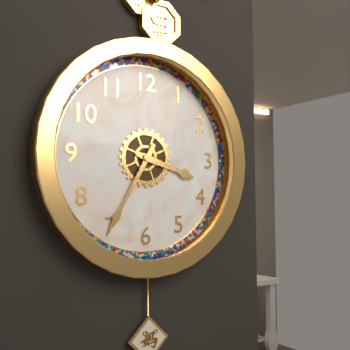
3:35
